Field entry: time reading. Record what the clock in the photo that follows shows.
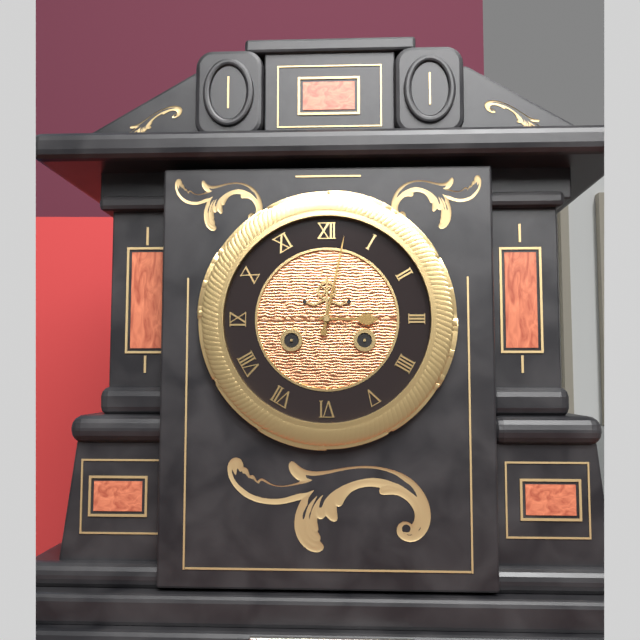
3:02
